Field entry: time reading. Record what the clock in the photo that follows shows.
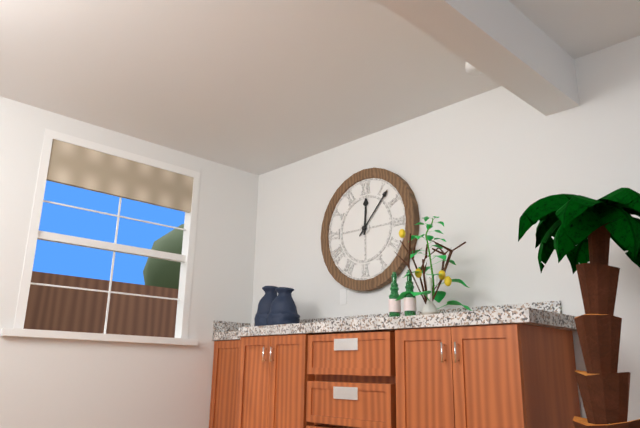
12:07
